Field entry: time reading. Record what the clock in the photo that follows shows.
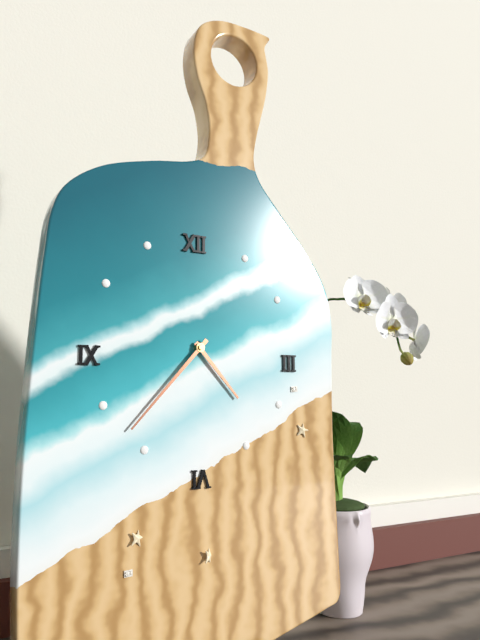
4:37
